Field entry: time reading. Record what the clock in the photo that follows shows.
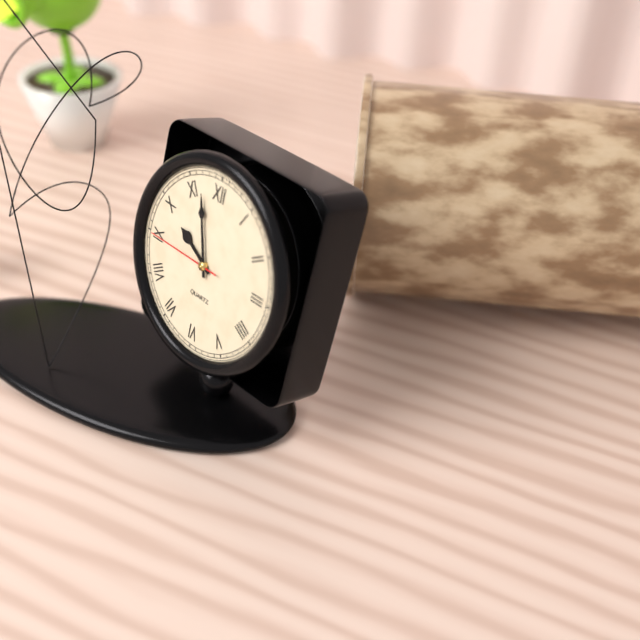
9:57:45
